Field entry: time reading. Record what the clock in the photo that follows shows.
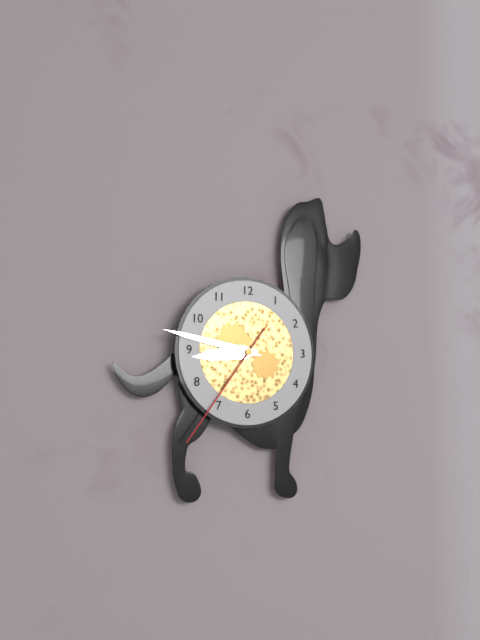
8:47:36
